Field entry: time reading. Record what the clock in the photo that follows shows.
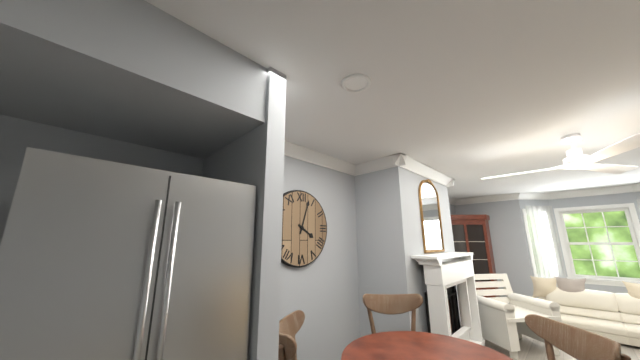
4:03
